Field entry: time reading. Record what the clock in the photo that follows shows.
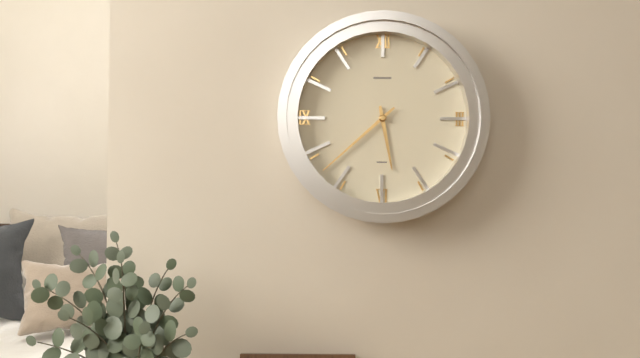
5:38
